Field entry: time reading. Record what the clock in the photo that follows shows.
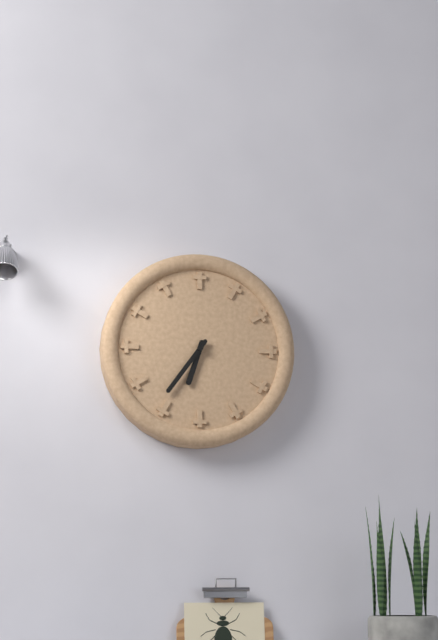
6:36
